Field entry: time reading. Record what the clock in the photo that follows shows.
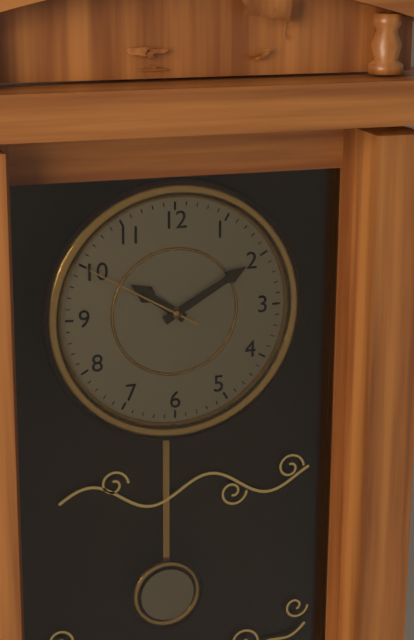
10:10:50
